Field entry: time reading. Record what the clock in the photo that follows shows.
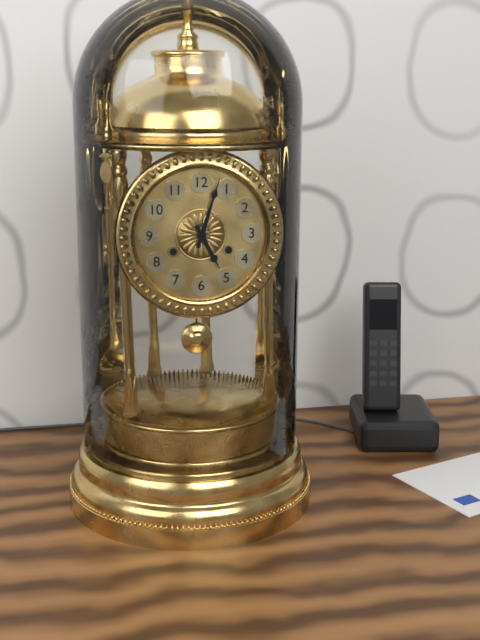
5:03
